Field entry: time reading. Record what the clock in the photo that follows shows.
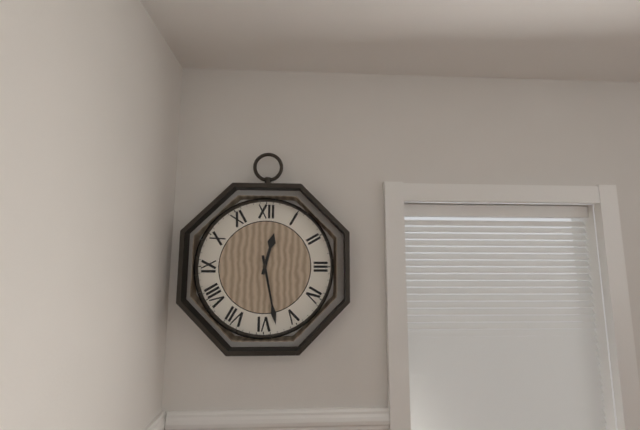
12:28
